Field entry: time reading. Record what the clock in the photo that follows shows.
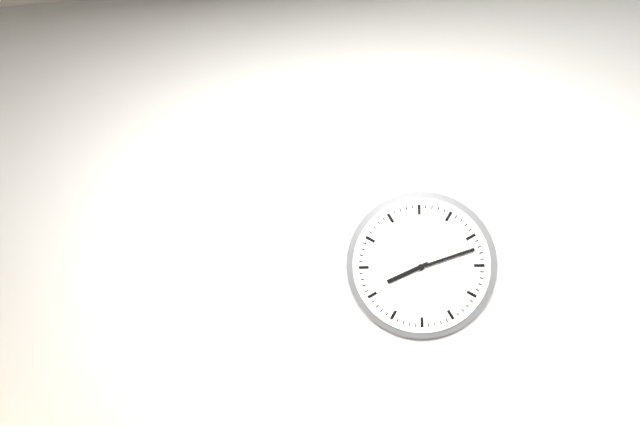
8:12
